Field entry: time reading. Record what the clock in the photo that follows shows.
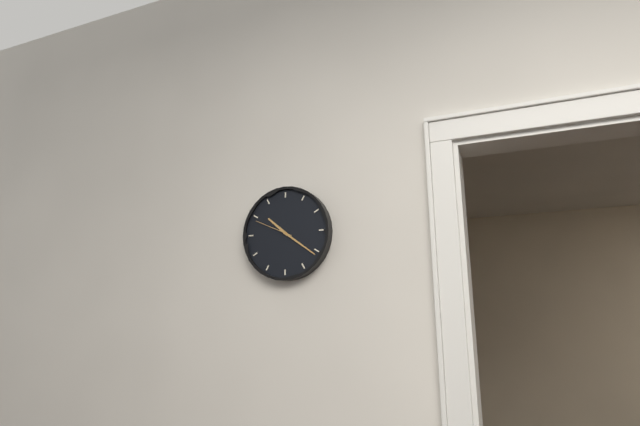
10:21
